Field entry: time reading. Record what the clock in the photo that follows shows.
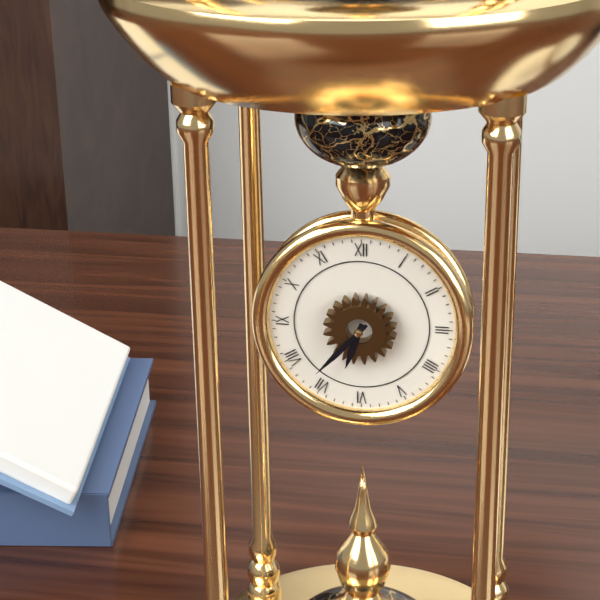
6:37
